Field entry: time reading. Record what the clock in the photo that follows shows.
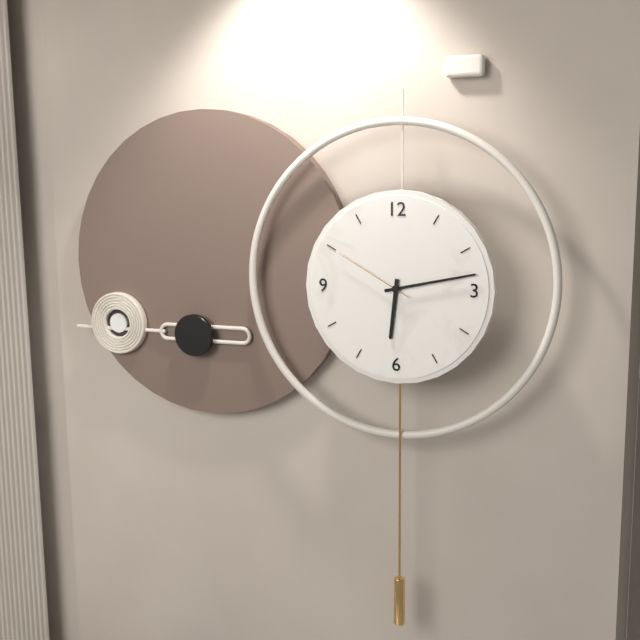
6:13:50
